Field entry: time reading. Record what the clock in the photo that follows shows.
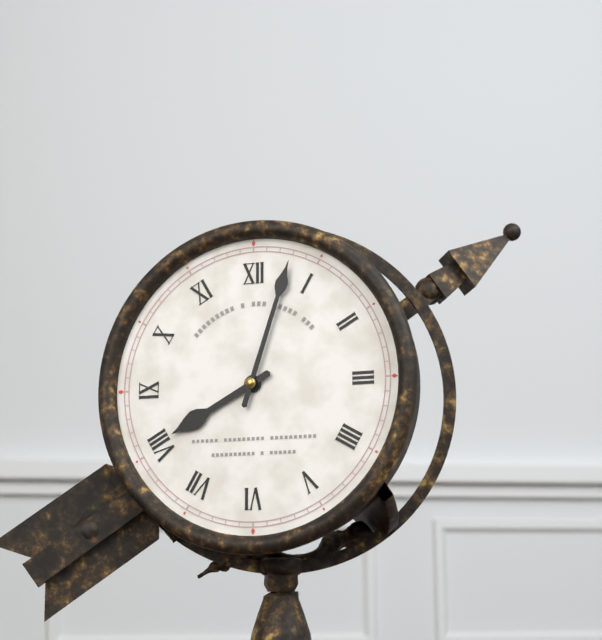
8:03
